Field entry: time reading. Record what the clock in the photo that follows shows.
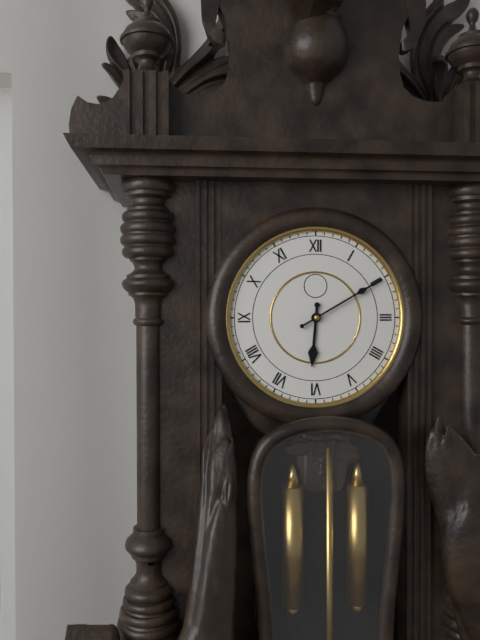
6:10
